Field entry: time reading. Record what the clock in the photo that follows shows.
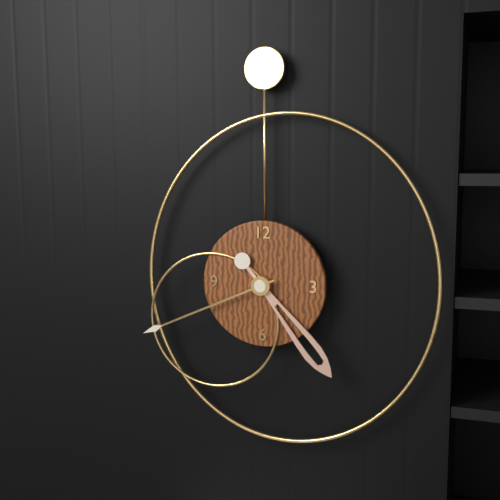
4:41
